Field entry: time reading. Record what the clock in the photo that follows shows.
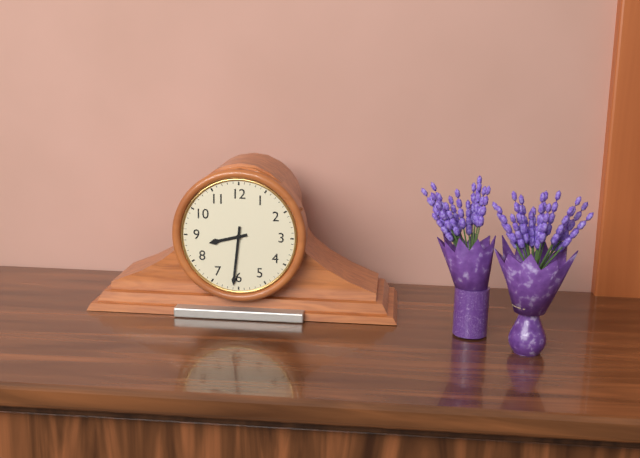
8:31
